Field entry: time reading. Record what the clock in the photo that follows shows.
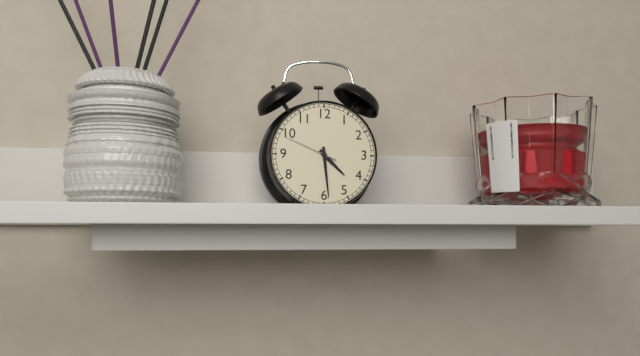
4:29:49
